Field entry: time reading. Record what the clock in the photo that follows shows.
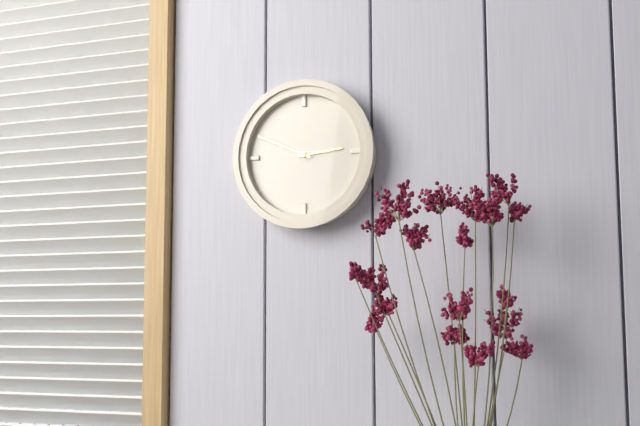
2:49
